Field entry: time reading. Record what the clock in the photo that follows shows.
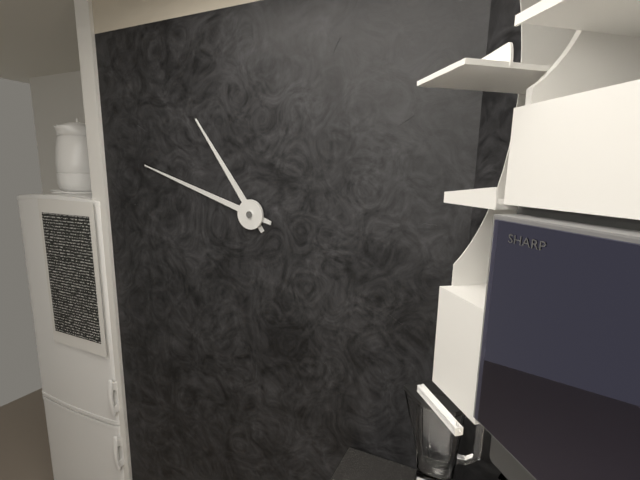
10:48
